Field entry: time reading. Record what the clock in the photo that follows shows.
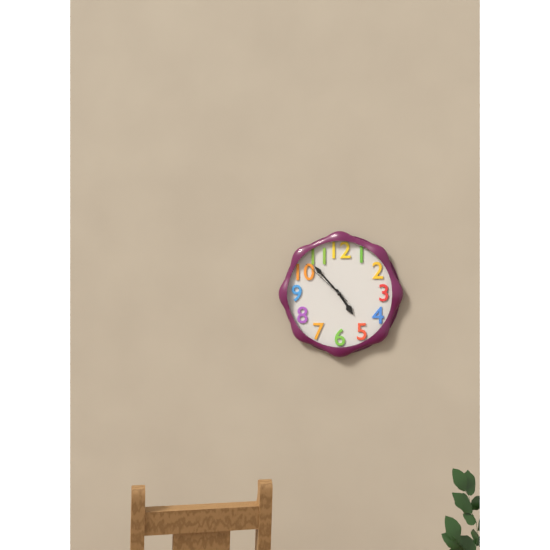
4:53:52
